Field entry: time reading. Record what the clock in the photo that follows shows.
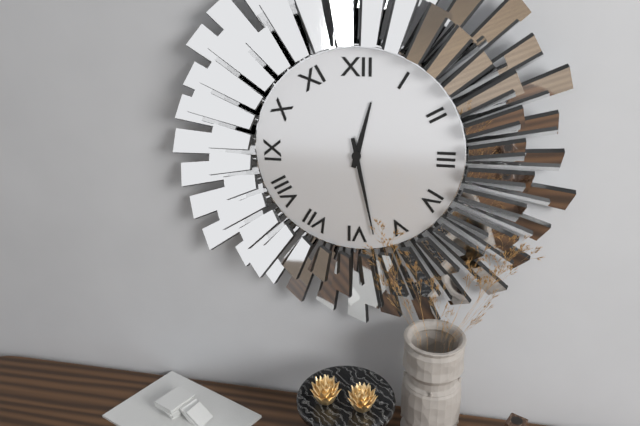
12:28
